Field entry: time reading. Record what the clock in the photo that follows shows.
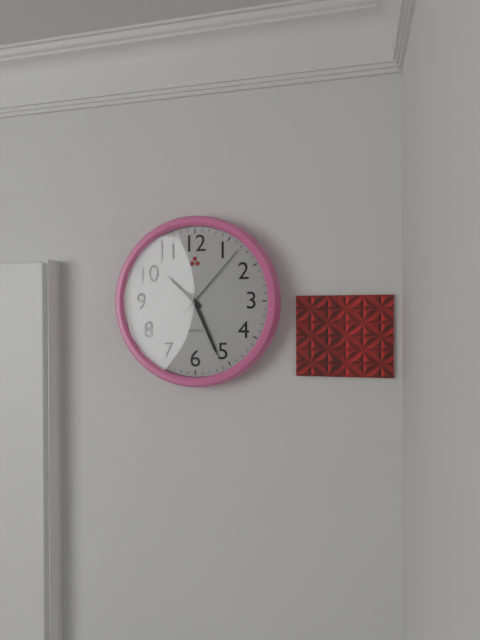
10:26:07
